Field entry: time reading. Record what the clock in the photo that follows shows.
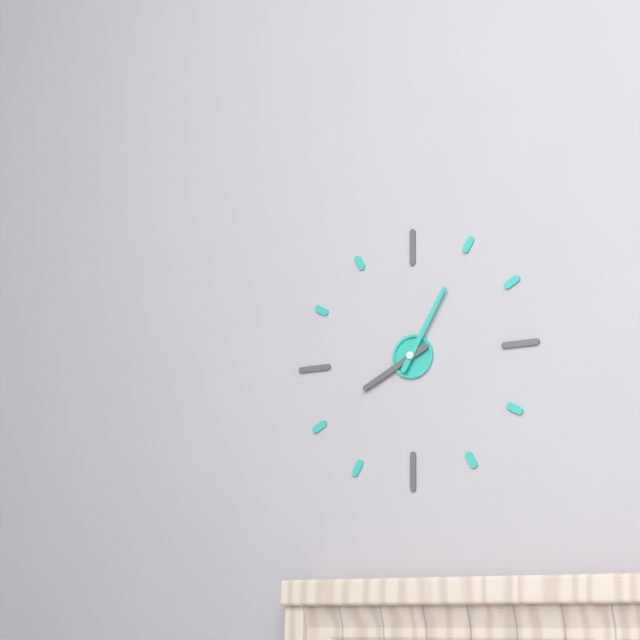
8:05
